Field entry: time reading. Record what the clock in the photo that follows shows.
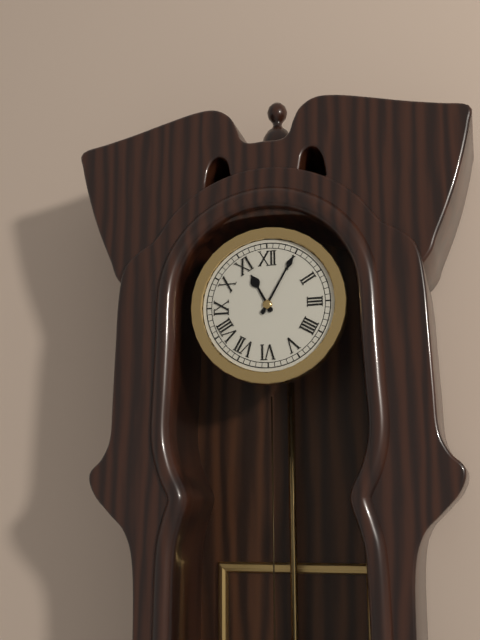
11:05
